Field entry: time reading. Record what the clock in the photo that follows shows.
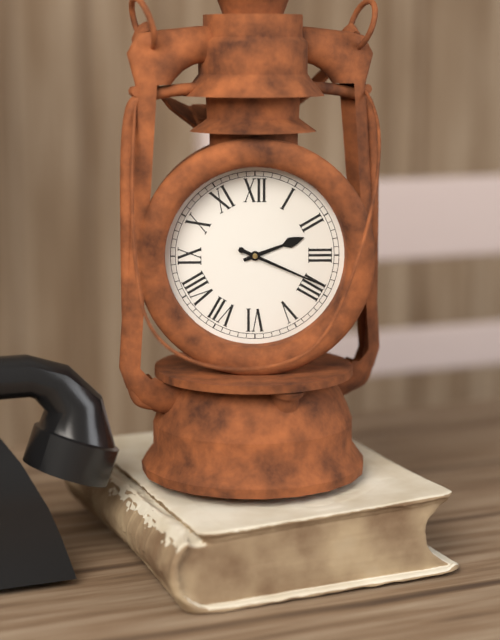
2:19
